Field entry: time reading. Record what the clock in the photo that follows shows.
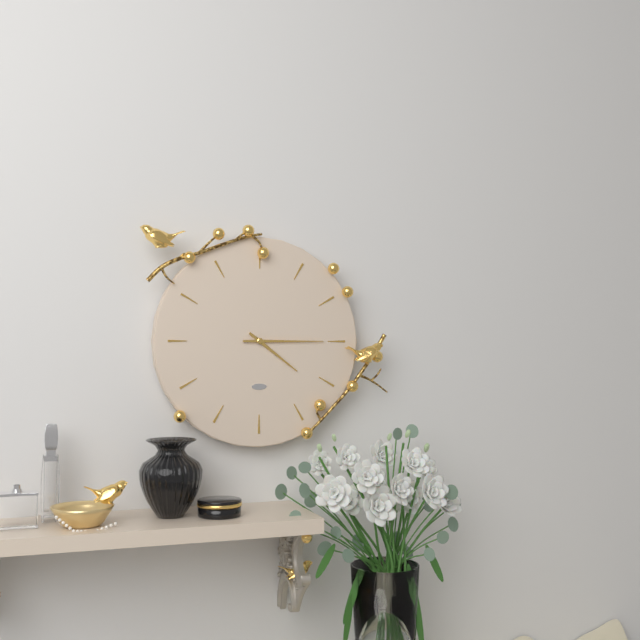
4:15
